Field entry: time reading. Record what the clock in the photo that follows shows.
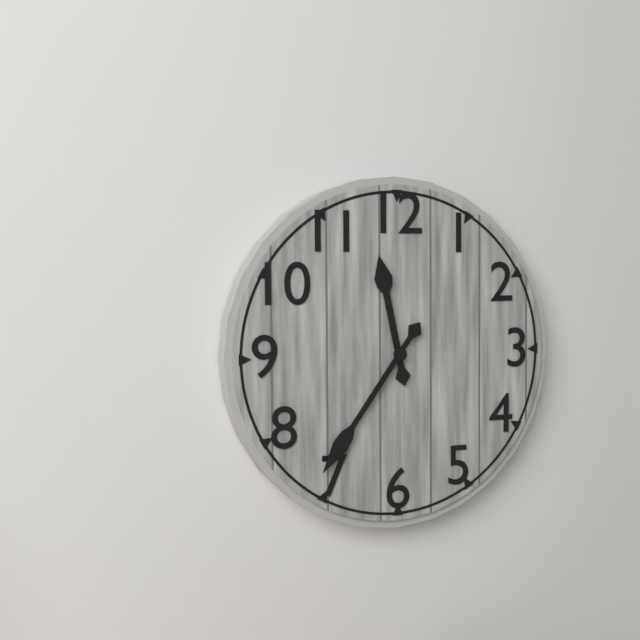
11:36
